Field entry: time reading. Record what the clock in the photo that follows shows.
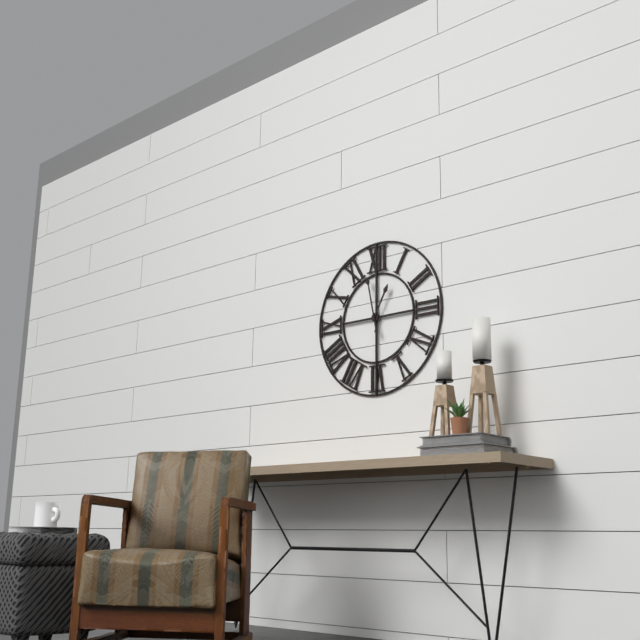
12:58
